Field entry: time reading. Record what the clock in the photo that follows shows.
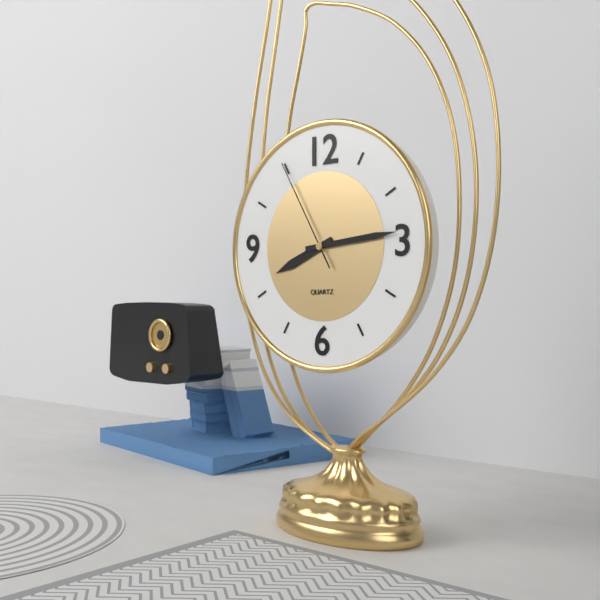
8:14:55
